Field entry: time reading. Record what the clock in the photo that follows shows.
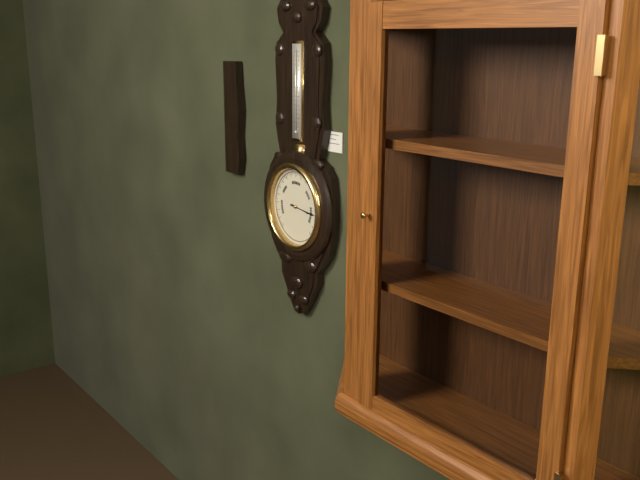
3:16
